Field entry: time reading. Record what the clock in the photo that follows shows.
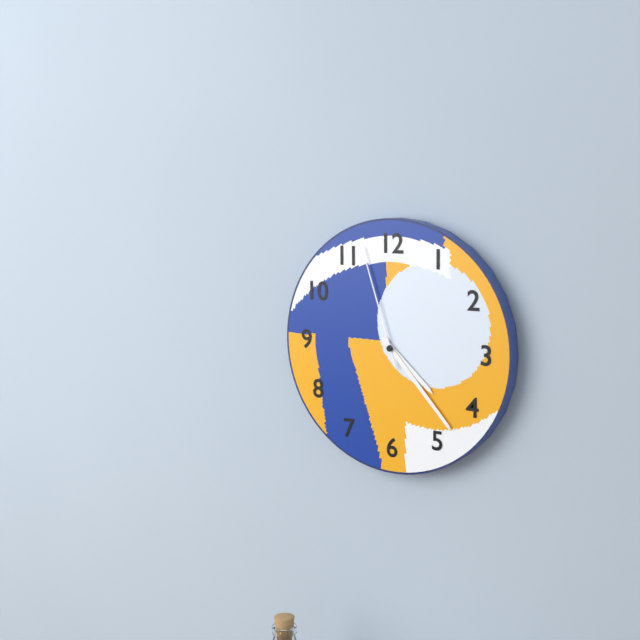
4:23:57
